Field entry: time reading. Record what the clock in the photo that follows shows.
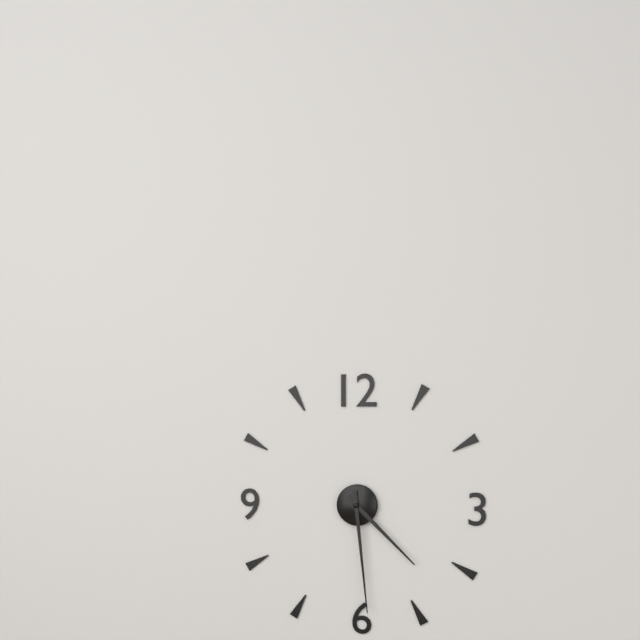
4:29
